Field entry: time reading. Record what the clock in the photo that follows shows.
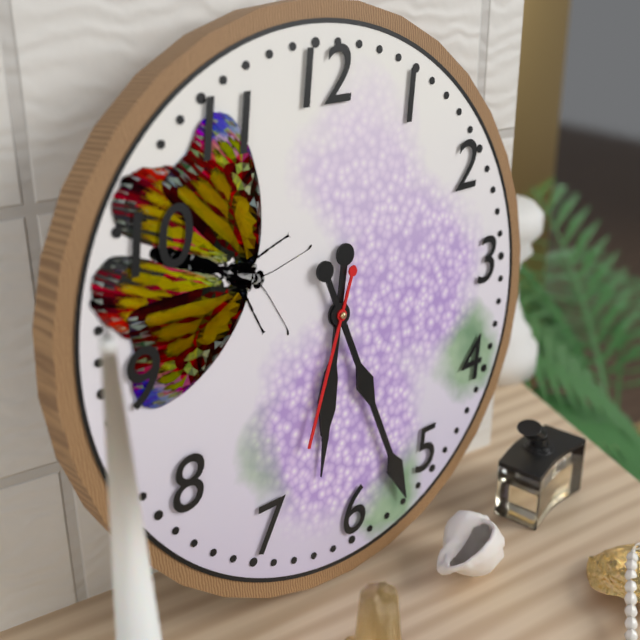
6:27:34
